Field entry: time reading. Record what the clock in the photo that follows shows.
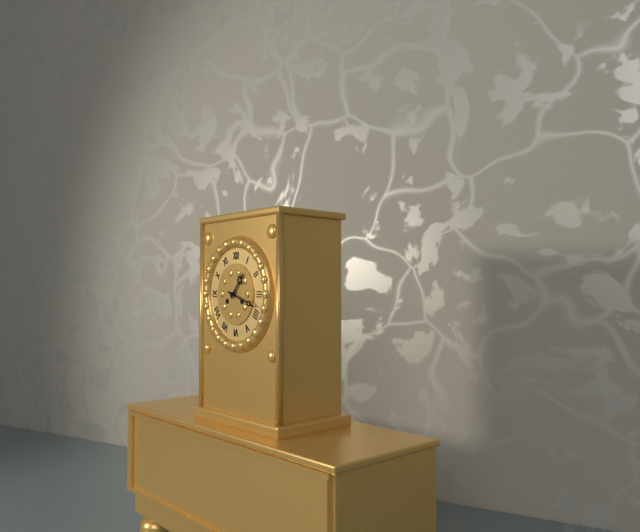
1:18
